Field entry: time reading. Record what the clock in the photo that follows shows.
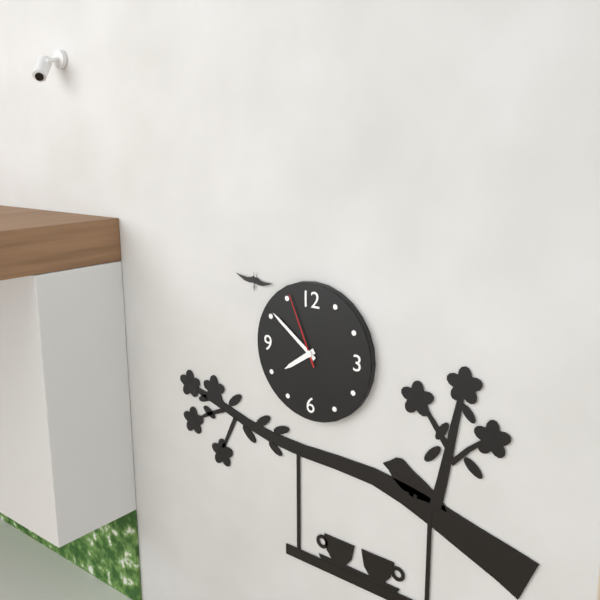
7:51:56
